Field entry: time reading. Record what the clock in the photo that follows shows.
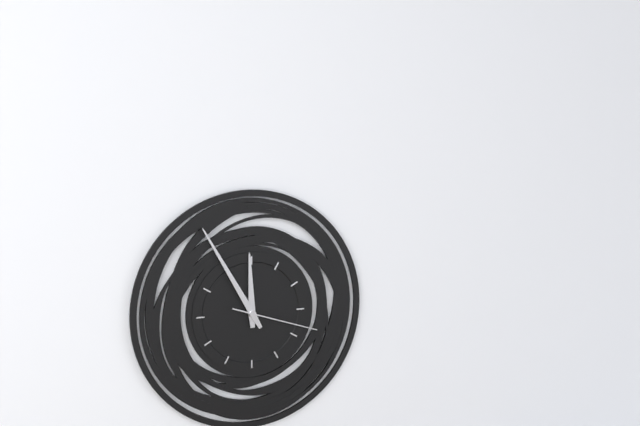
11:55:18
